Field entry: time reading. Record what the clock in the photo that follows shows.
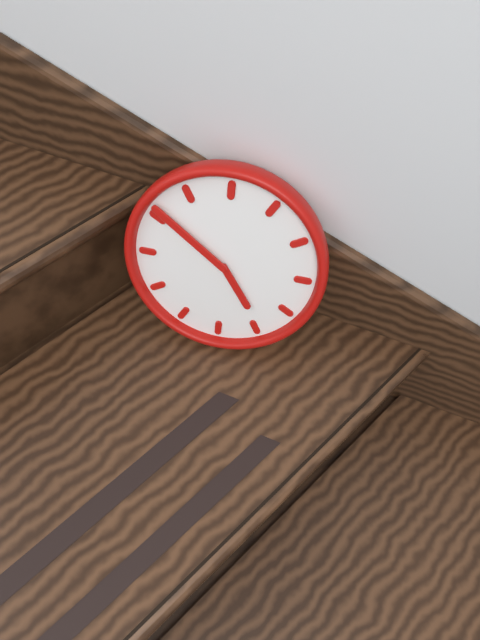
4:51
